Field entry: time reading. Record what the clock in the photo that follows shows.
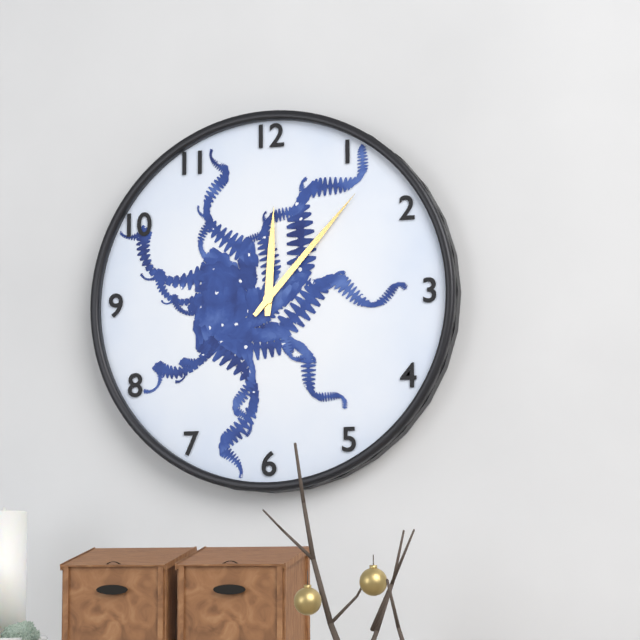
12:07
